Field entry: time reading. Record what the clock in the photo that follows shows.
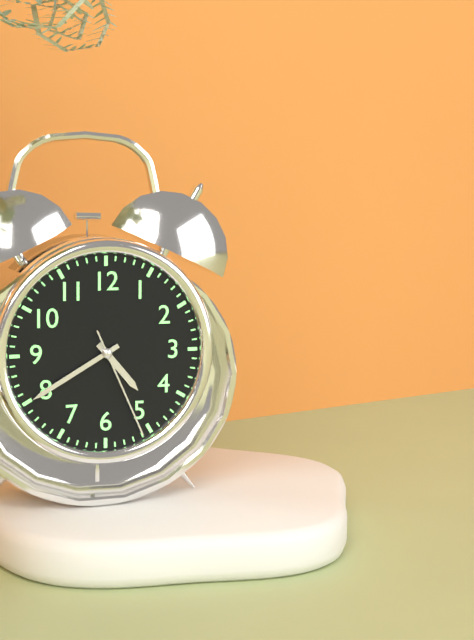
4:40:26
